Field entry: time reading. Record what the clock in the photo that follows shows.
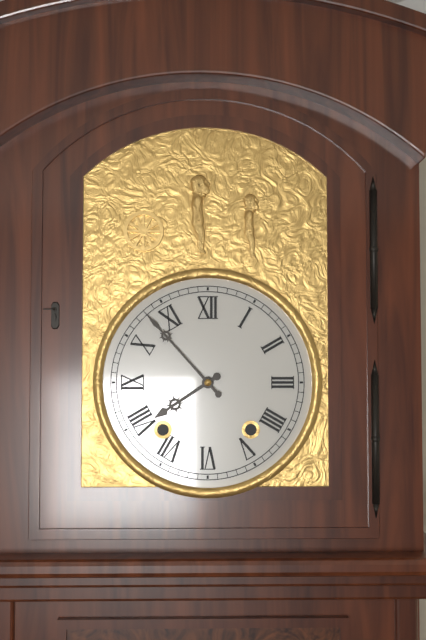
7:53
